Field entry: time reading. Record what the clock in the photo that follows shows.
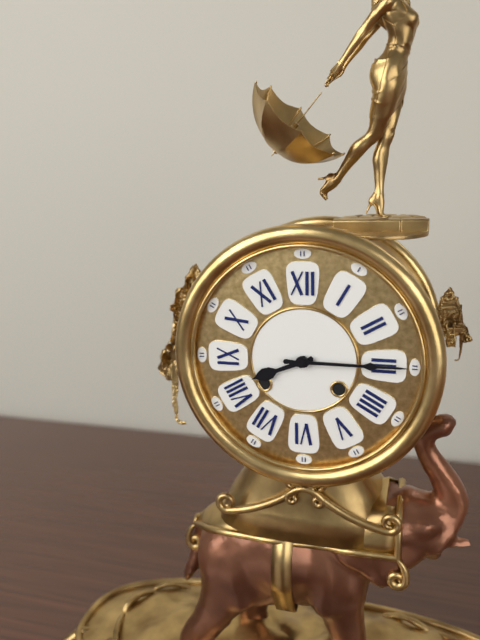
8:15
